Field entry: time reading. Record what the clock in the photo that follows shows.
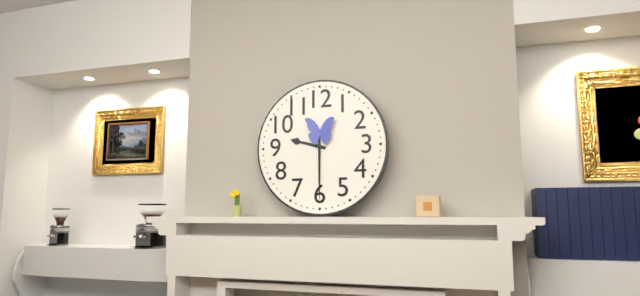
9:30
